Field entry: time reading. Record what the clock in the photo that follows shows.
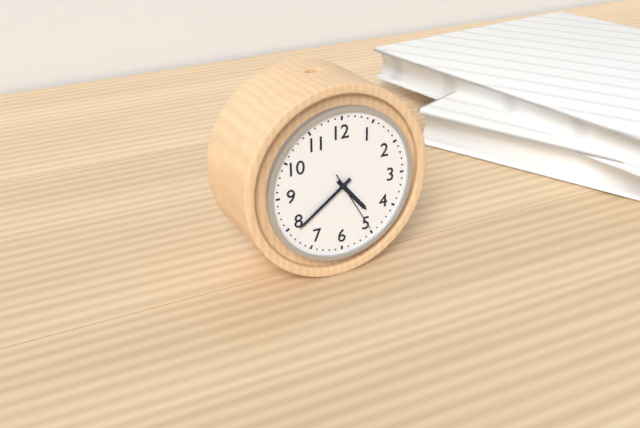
4:39:25
